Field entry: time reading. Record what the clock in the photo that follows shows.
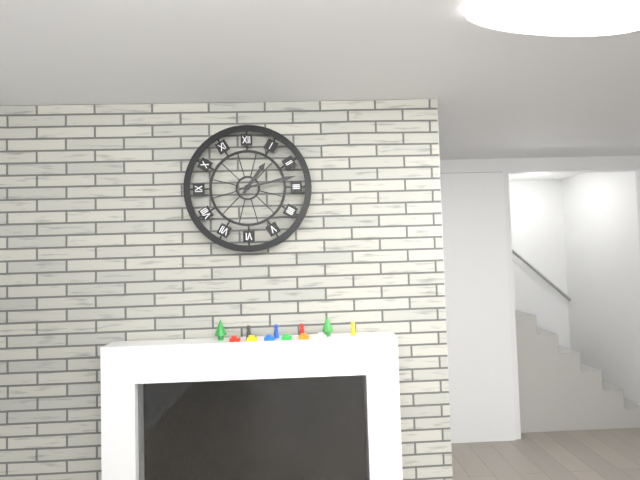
1:13
